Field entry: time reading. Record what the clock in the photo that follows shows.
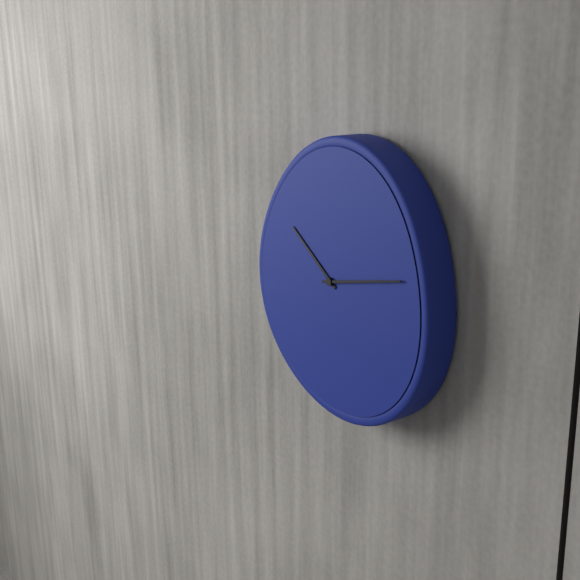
10:13
